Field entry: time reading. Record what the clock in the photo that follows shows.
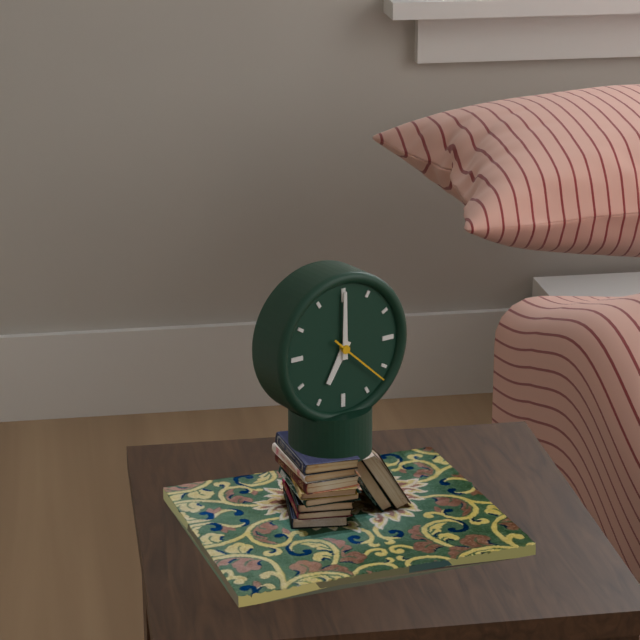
7:00:22
